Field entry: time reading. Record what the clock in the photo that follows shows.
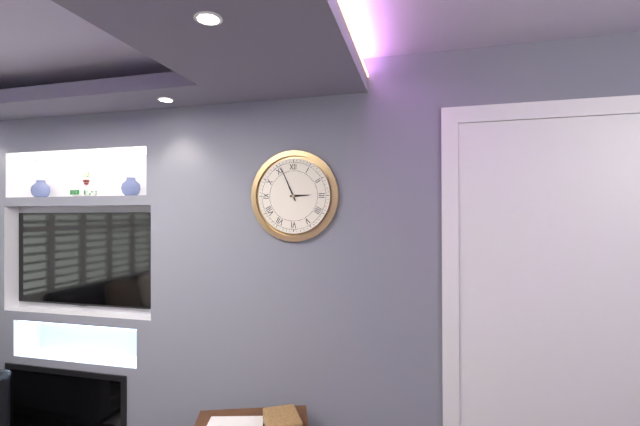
2:56
